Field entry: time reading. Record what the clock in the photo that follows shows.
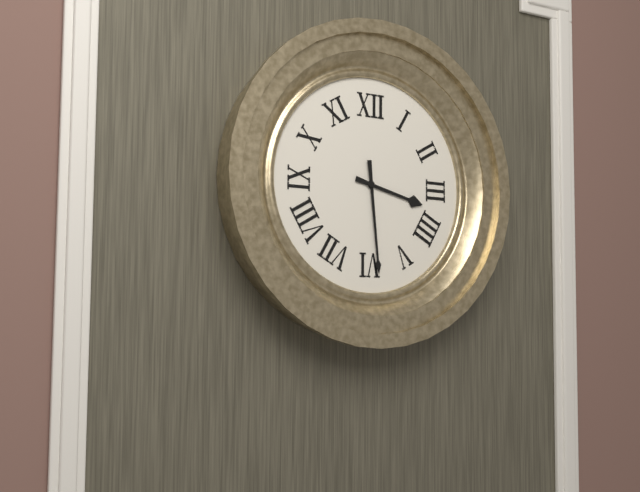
3:29
